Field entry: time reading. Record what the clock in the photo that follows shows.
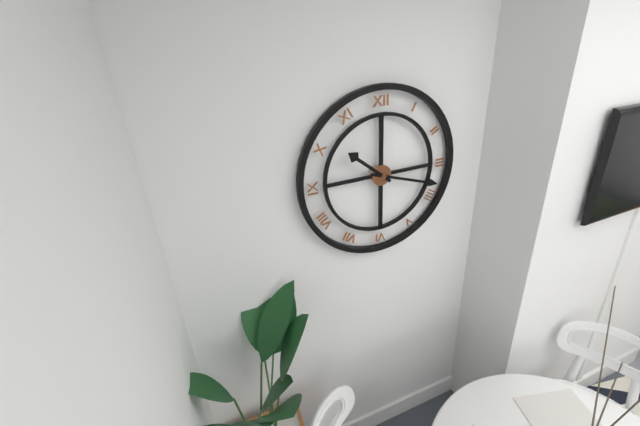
10:18
